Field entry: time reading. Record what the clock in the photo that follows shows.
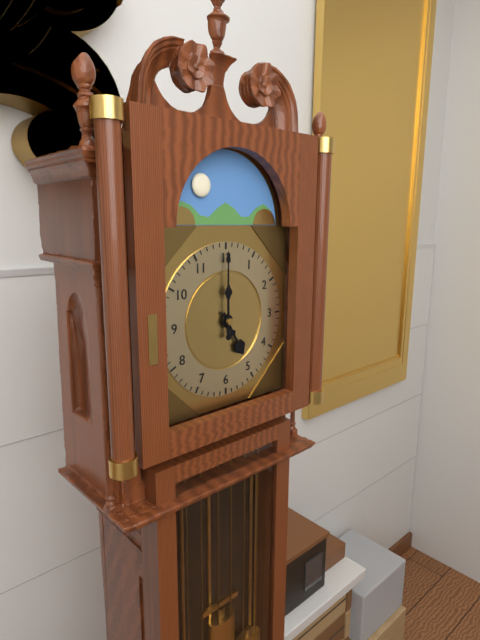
5:00
